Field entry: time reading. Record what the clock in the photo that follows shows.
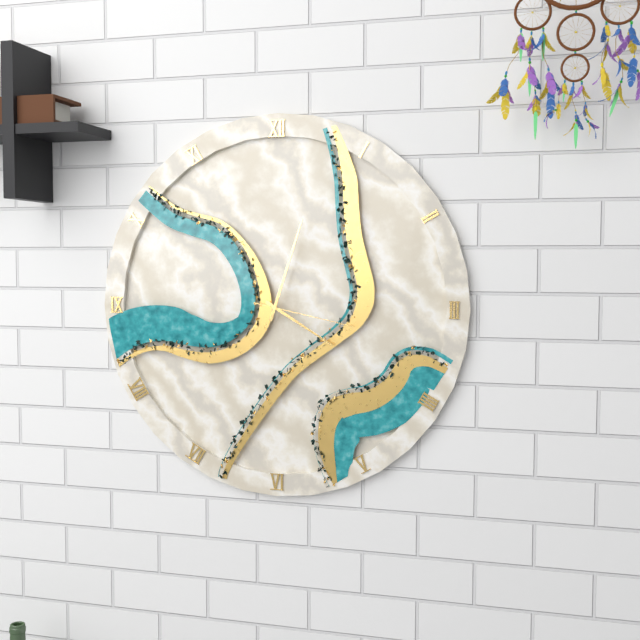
4:03:17
